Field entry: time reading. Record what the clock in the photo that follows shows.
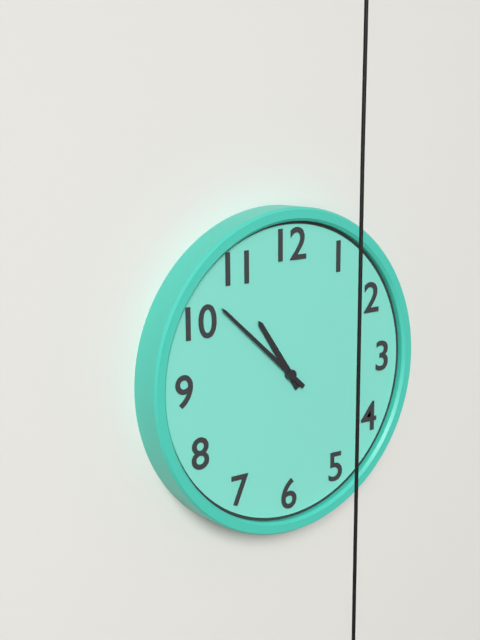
10:52
